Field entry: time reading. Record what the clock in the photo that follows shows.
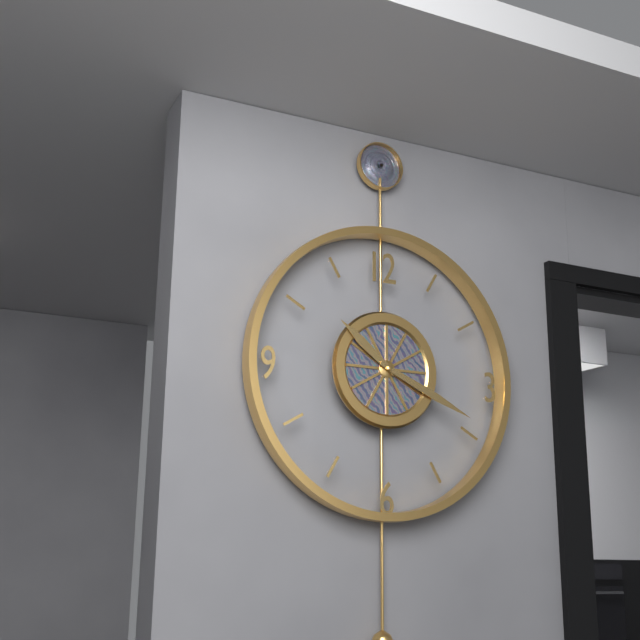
10:19
